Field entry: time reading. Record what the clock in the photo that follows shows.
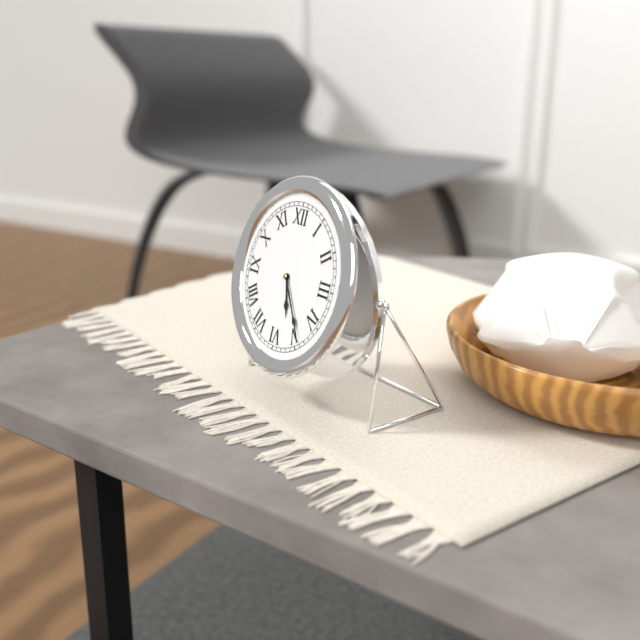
5:24
